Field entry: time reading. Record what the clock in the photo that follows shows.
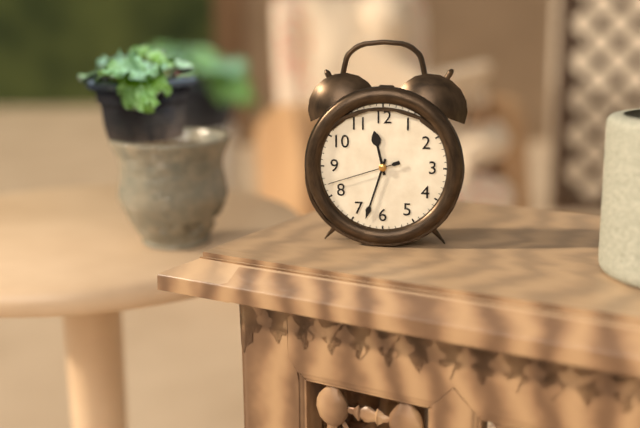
11:33:42
